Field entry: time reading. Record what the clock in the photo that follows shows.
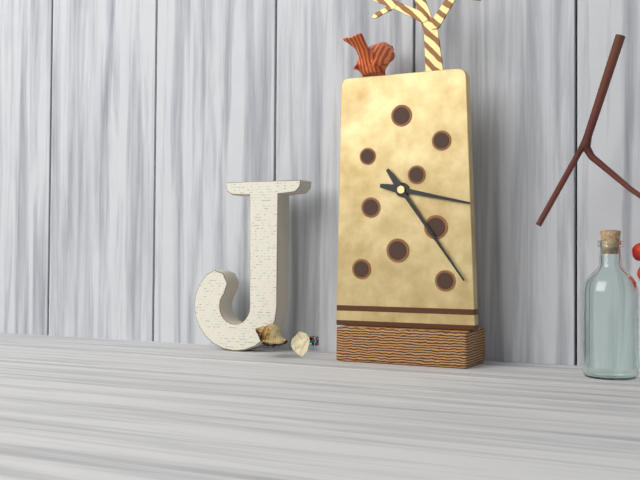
3:24
